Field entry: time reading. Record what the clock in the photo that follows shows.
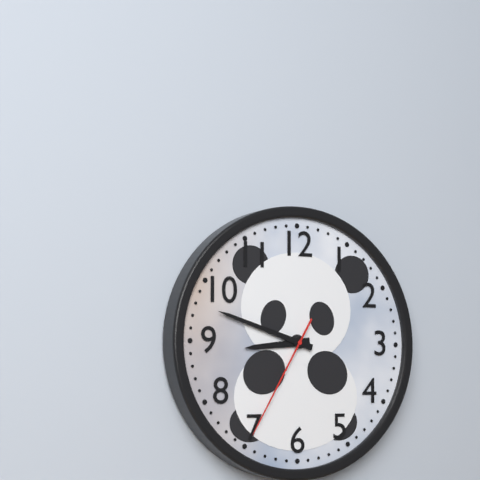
8:48:35
